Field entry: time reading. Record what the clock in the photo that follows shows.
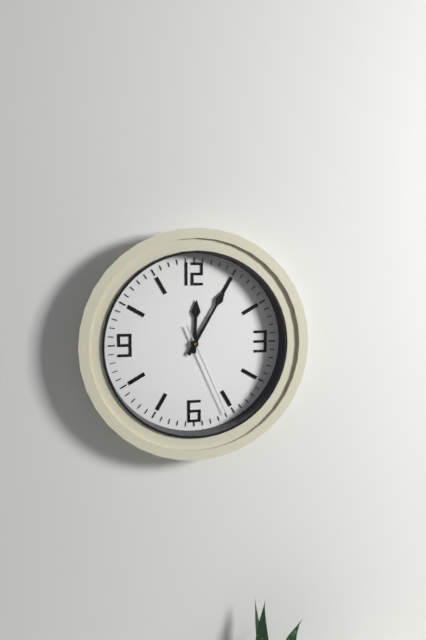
12:05:26
